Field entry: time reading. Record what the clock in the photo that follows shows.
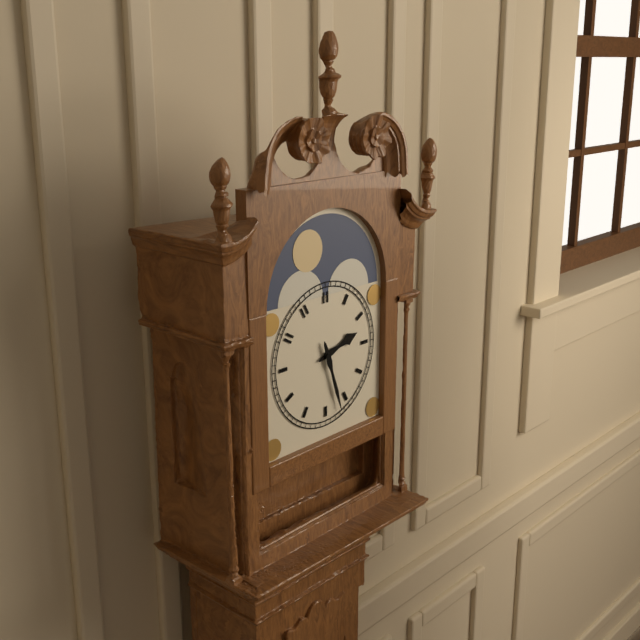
2:27
